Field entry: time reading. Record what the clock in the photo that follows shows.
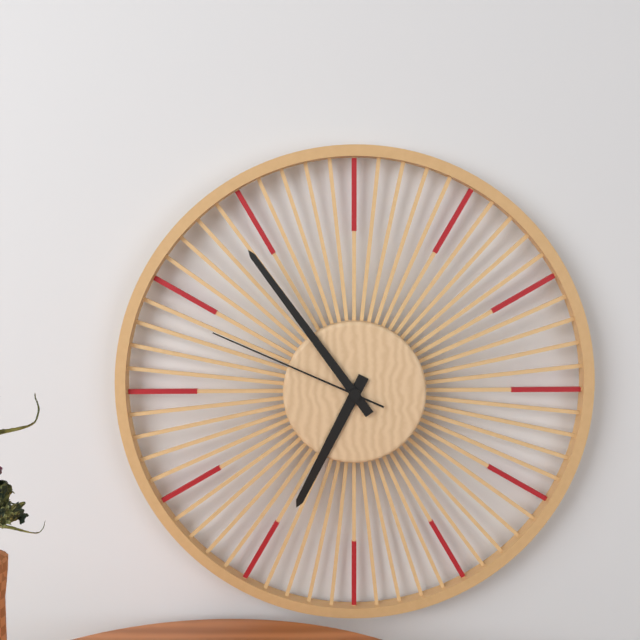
6:54:49
